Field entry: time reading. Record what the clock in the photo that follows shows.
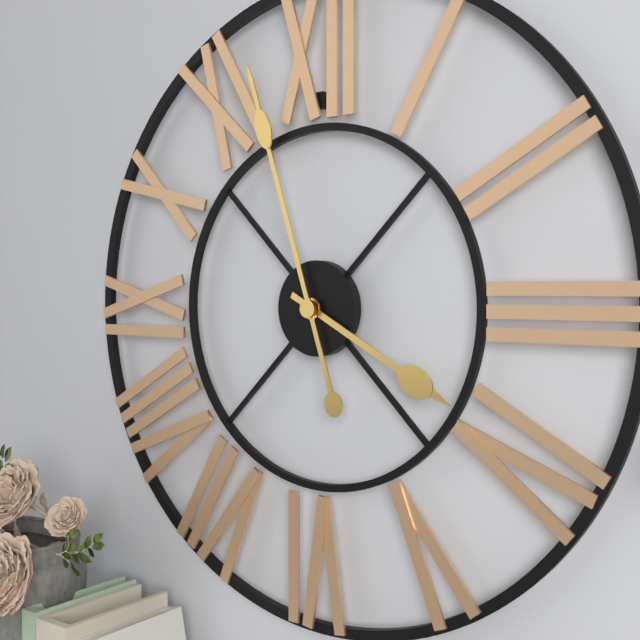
3:57
